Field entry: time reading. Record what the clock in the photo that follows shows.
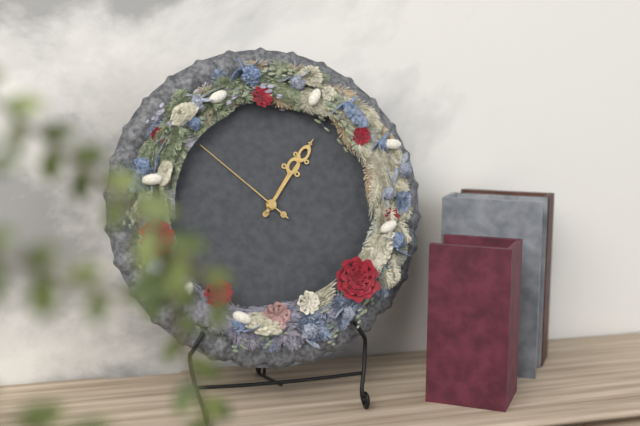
1:06:52
